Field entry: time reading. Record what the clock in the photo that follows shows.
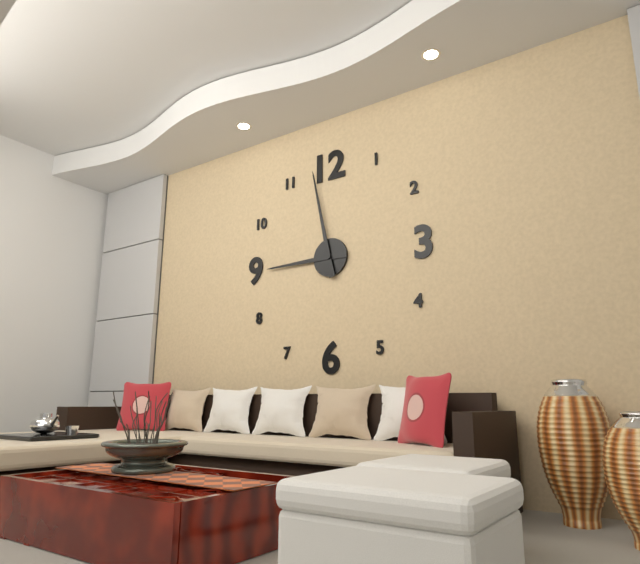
8:58
